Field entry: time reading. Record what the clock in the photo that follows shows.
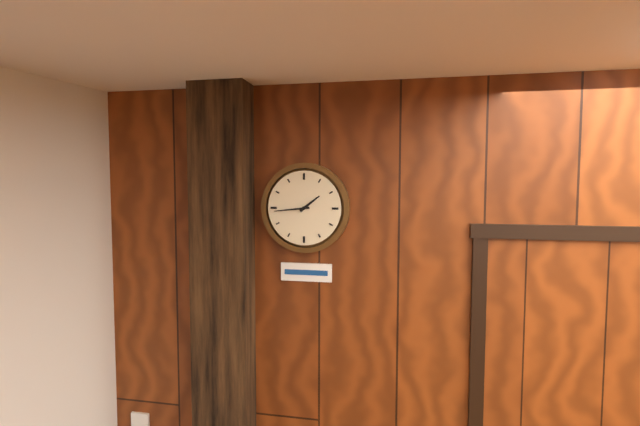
1:44
